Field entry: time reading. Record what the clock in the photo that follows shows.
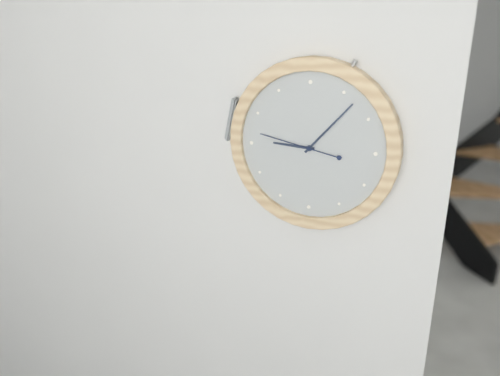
9:07:47
